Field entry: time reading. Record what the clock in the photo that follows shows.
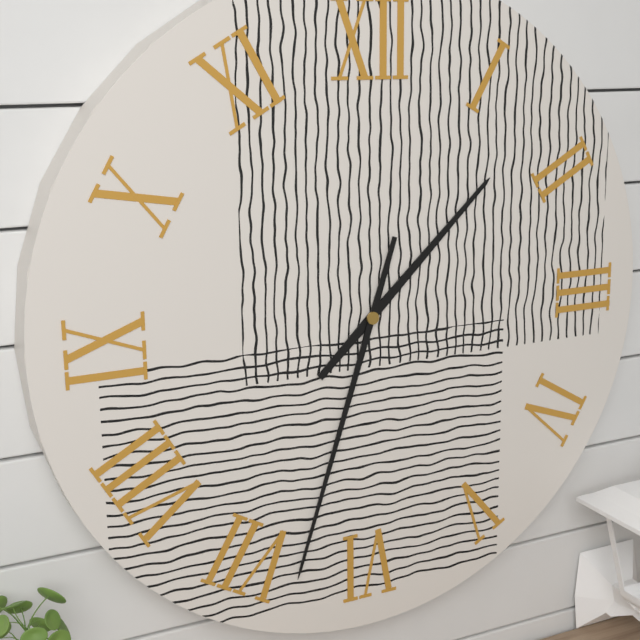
1:33
